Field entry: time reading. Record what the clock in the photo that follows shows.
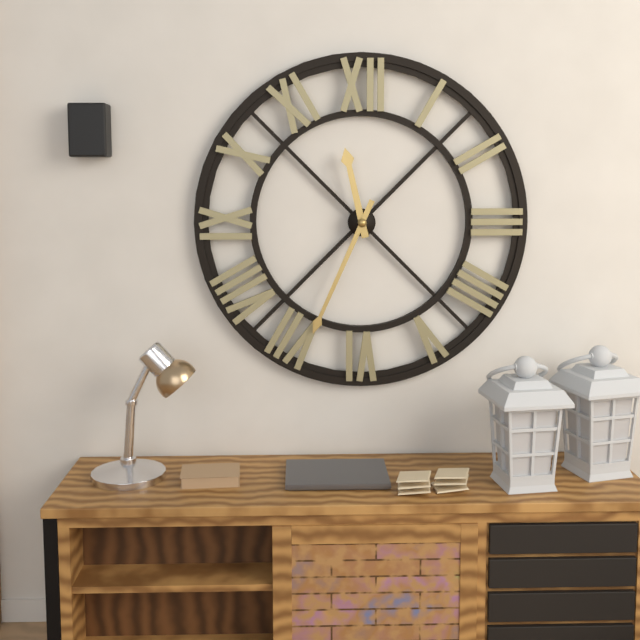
11:34
